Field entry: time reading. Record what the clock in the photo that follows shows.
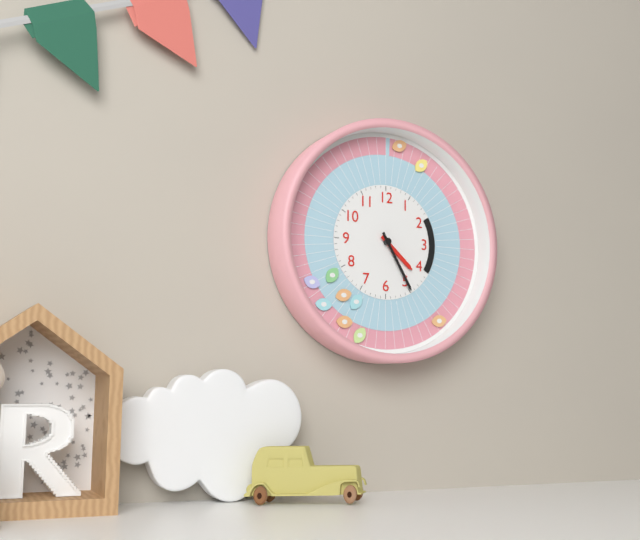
4:25
